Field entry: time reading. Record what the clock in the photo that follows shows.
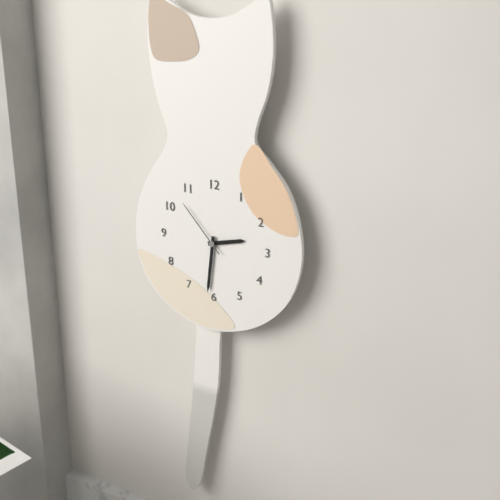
2:31:53
